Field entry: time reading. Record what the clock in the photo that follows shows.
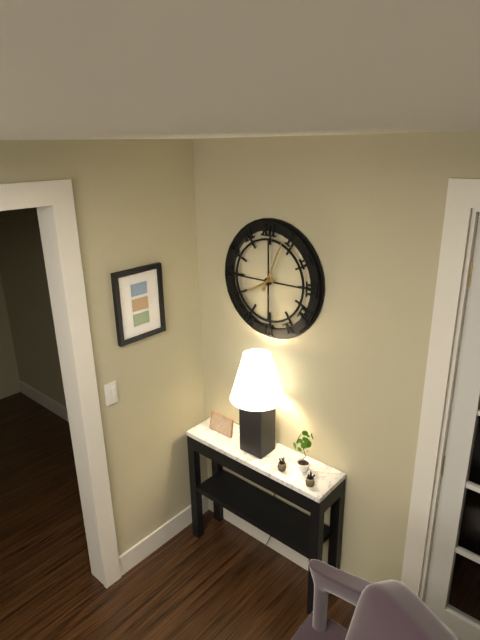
8:04
